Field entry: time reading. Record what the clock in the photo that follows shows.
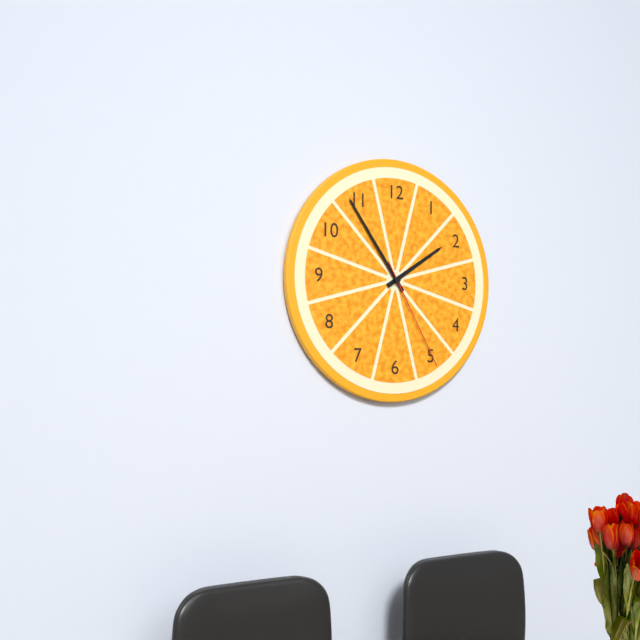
1:54:25
